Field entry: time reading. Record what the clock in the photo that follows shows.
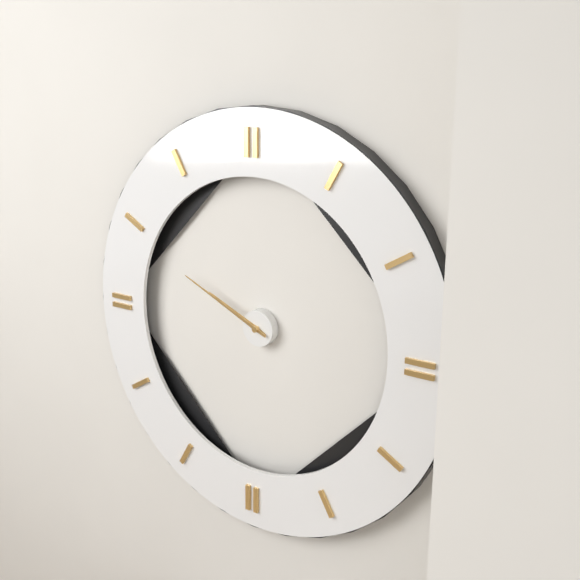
9:49
